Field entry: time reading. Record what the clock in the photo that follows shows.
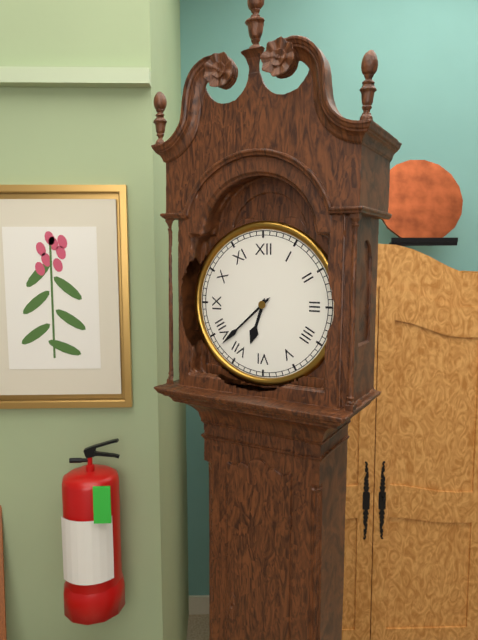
6:38
